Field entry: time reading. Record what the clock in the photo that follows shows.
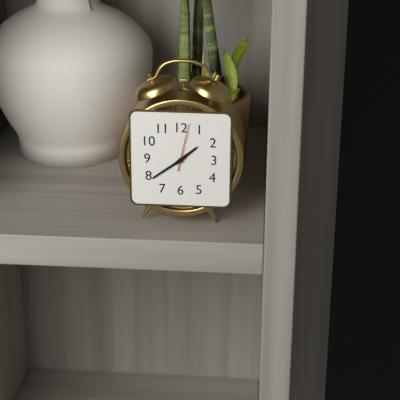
1:39
